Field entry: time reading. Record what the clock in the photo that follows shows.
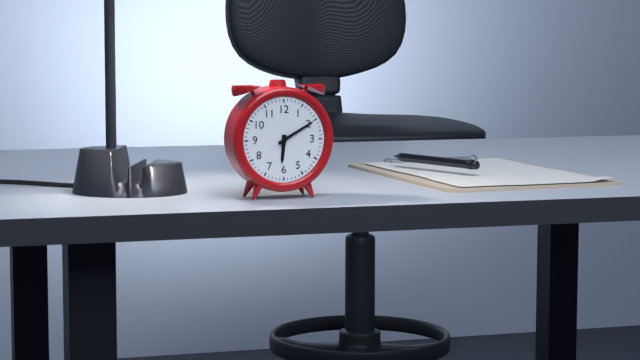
6:10
